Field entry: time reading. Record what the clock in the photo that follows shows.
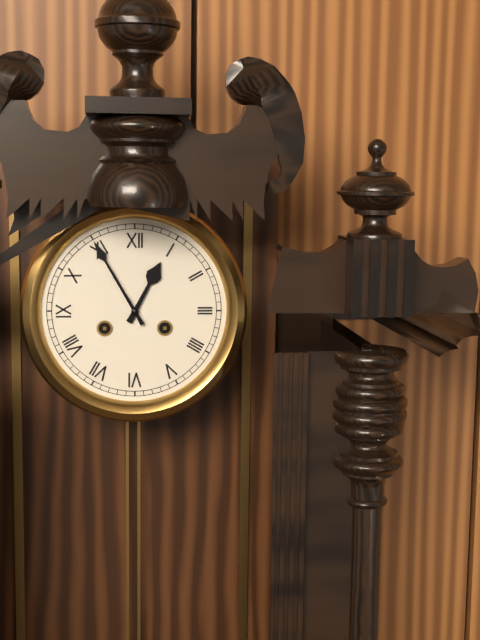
12:55
